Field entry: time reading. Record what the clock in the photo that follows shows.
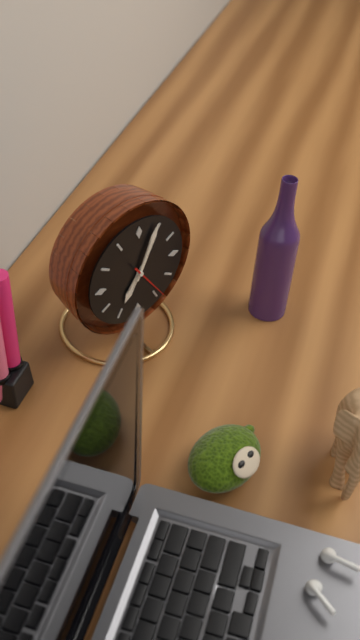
7:04:24
